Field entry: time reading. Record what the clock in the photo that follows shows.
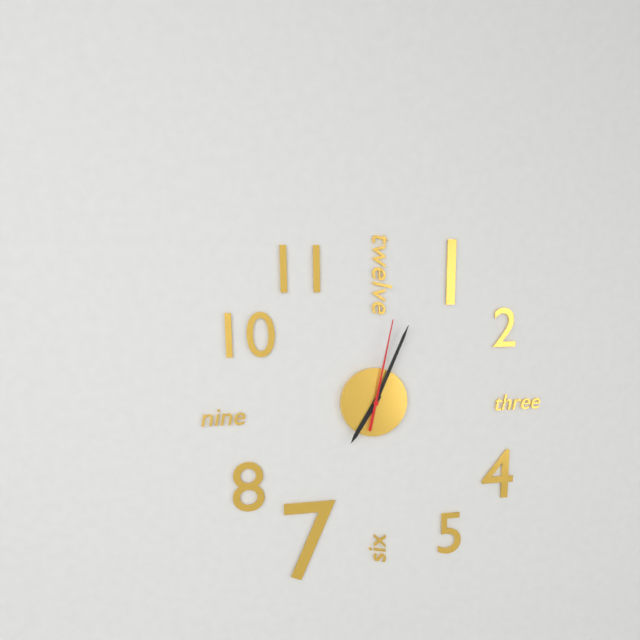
7:04:02
